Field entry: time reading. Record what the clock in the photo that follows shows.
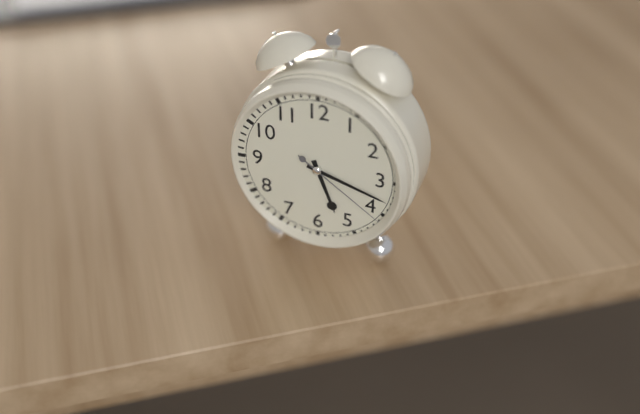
5:18:21
